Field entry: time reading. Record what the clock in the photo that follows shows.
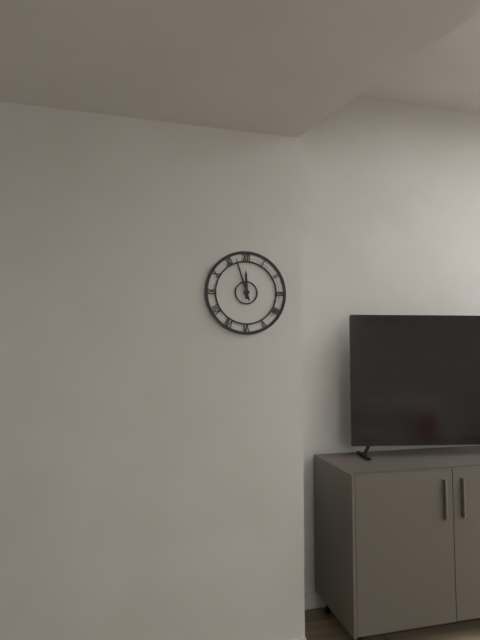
11:57
